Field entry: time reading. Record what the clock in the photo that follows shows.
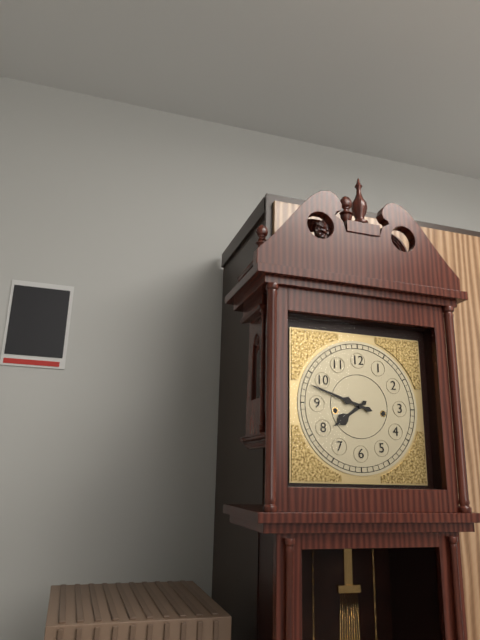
7:48
